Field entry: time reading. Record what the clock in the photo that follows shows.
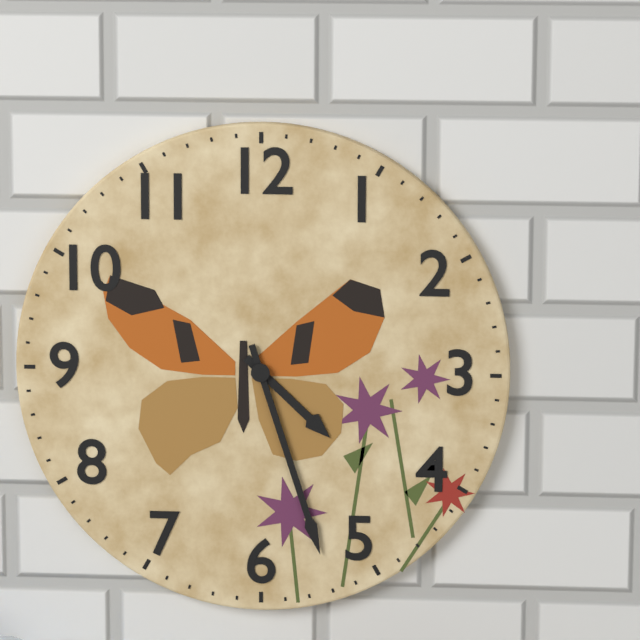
4:27
